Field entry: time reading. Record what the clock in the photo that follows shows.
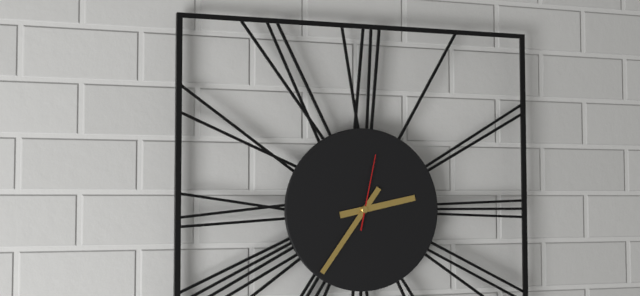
2:36:02
